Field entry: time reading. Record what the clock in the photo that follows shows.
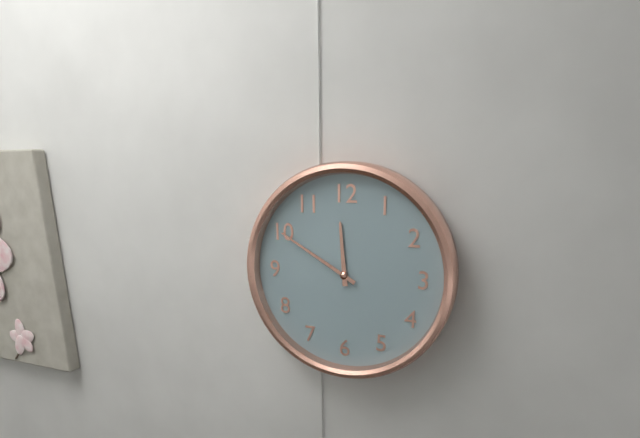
11:50
